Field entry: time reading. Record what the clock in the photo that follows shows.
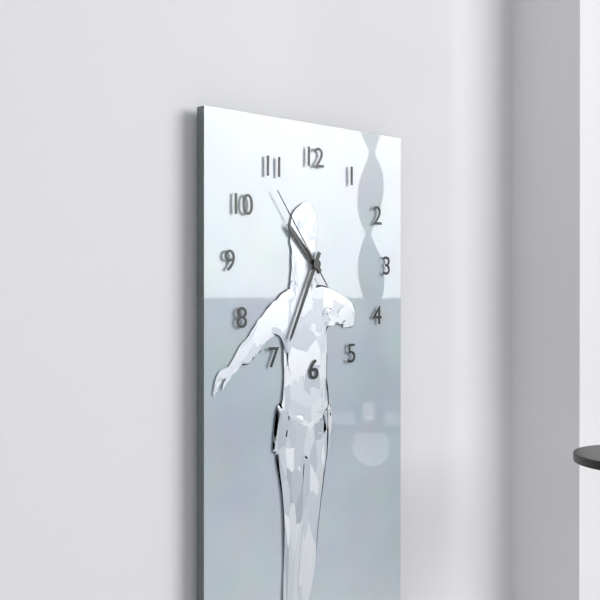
10:34:54
